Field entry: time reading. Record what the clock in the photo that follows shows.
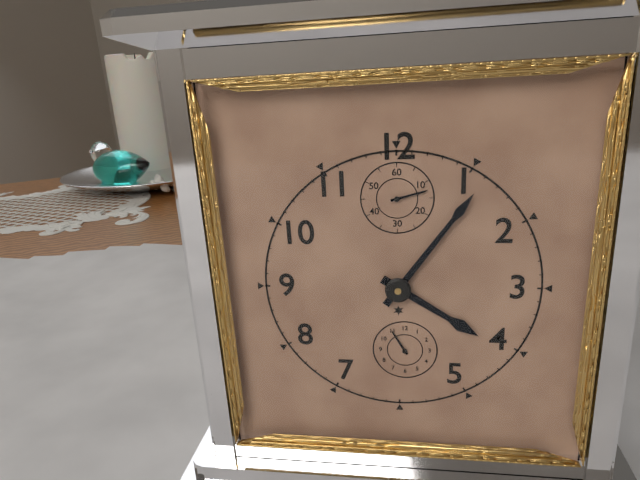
4:06
